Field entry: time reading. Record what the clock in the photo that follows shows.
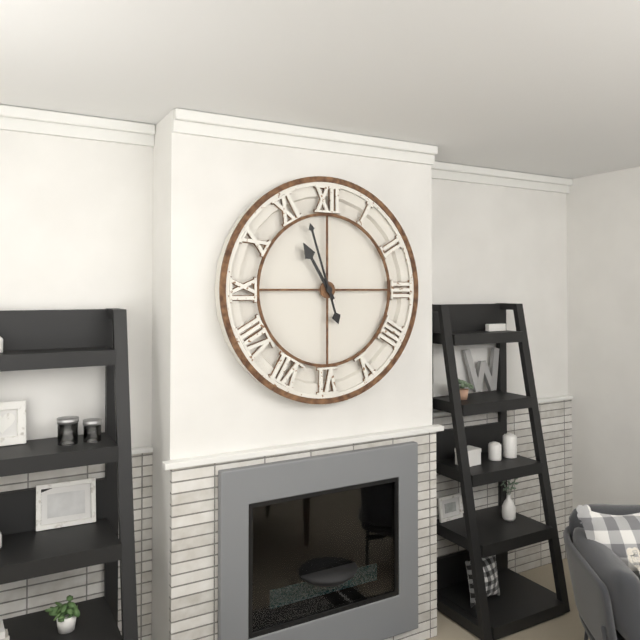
10:57
